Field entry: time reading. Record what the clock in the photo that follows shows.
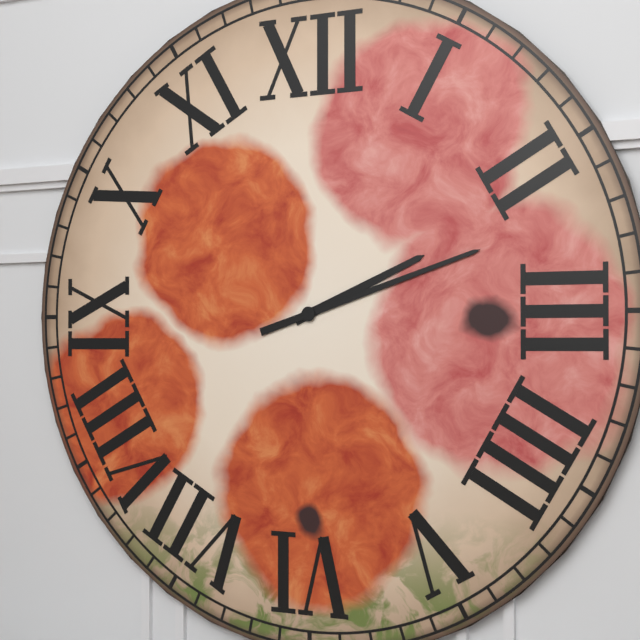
2:12
